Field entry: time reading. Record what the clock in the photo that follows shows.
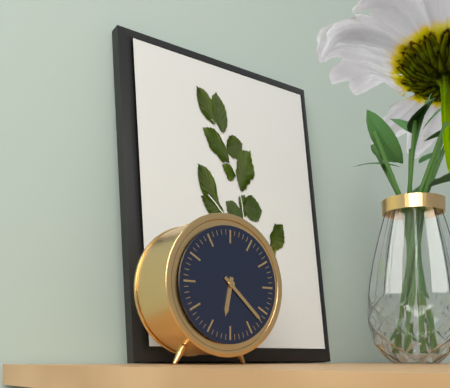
6:22
